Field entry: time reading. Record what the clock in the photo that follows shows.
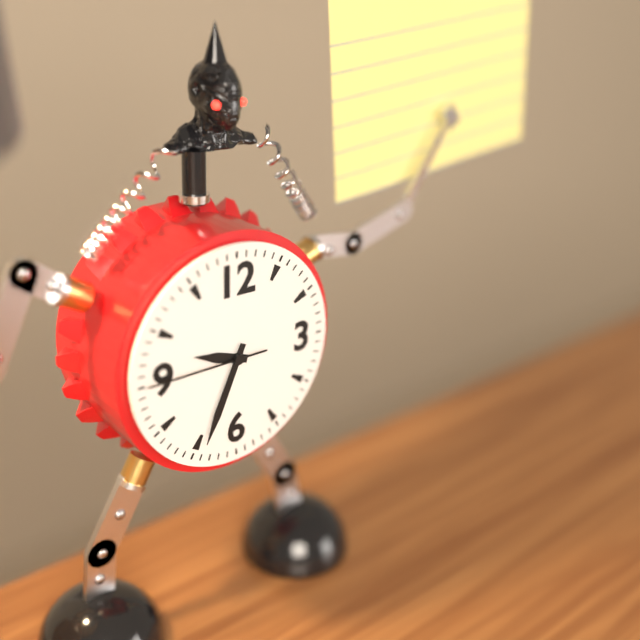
9:34:45
